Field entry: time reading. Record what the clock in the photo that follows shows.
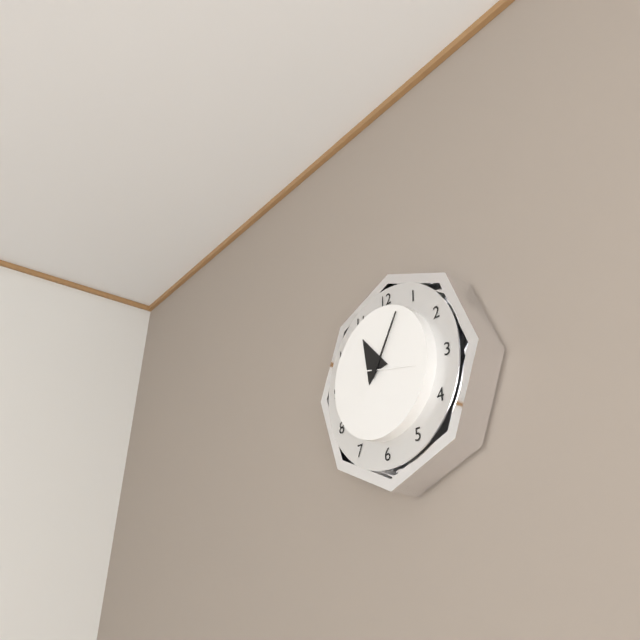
11:05:17
